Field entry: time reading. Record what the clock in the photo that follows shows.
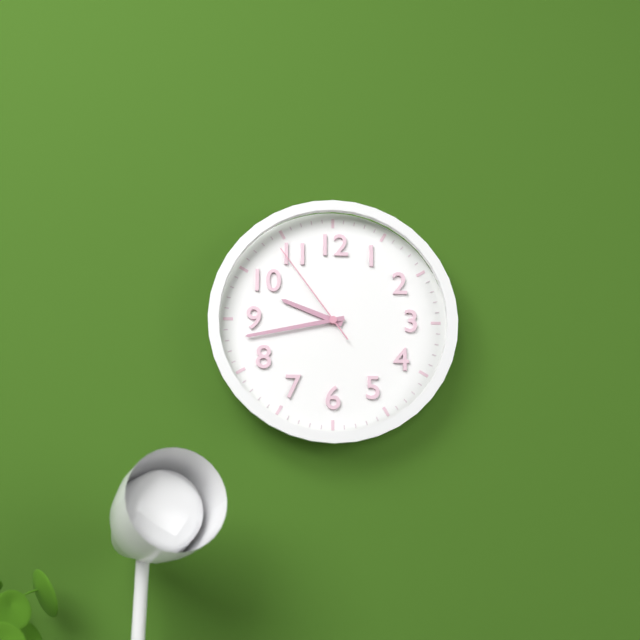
9:43:54
